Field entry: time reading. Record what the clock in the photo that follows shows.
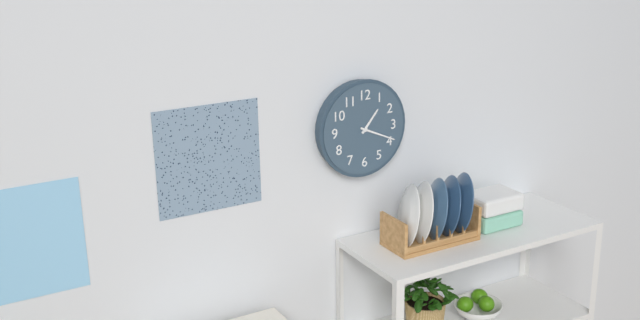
1:19
